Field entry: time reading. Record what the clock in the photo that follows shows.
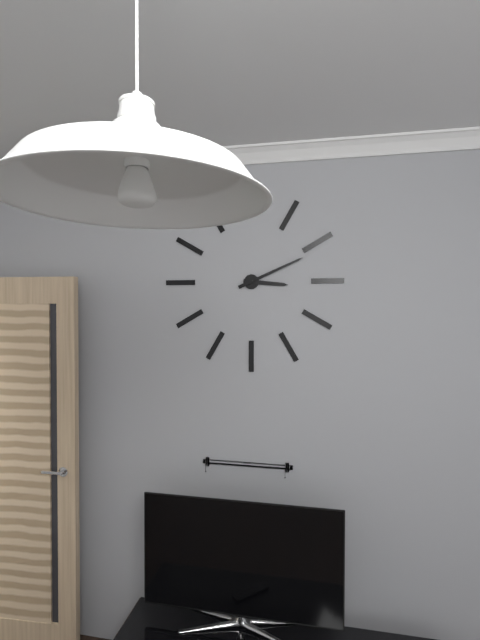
3:11
